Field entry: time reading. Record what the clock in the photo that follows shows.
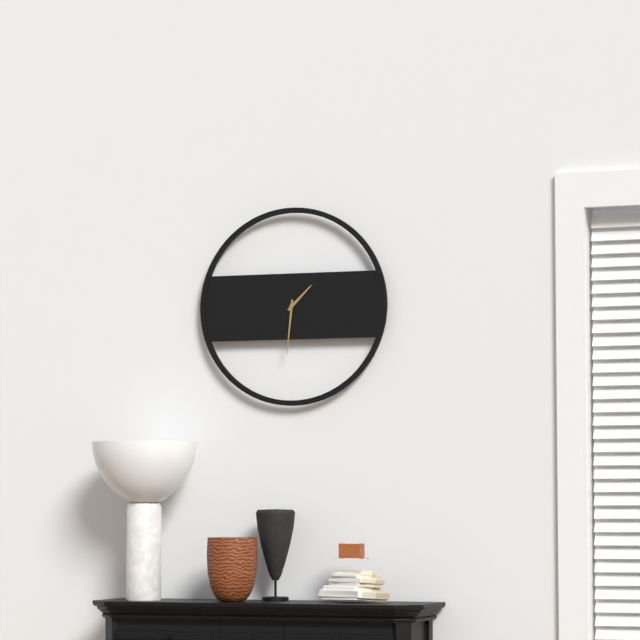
1:31
